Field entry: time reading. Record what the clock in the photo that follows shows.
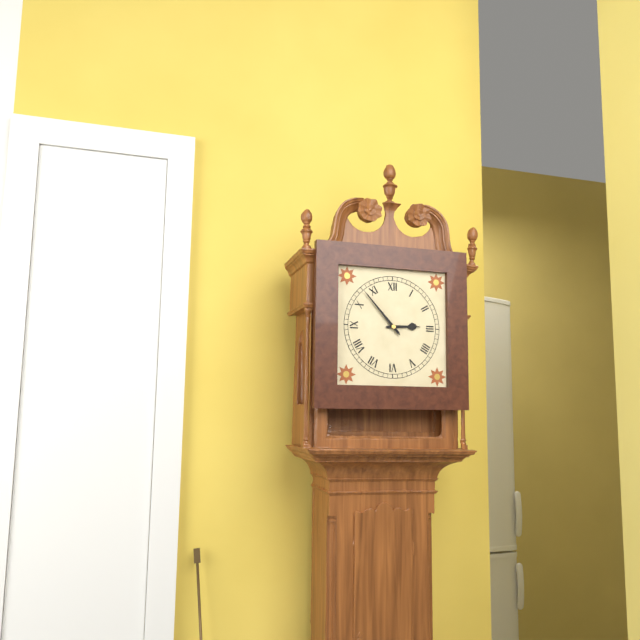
2:53
